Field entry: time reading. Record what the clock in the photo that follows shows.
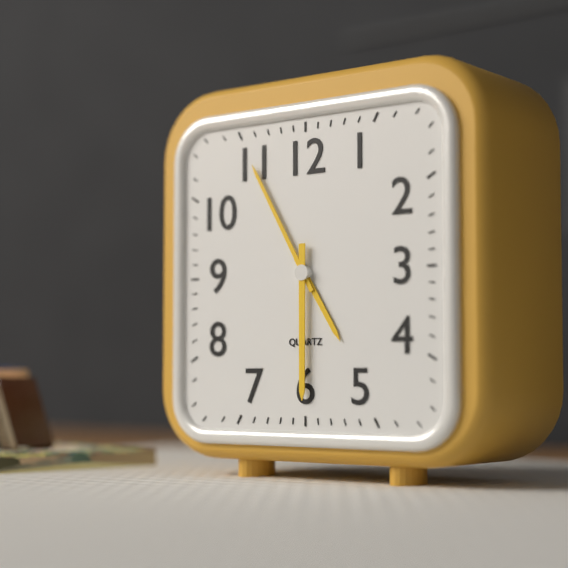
4:55:30
